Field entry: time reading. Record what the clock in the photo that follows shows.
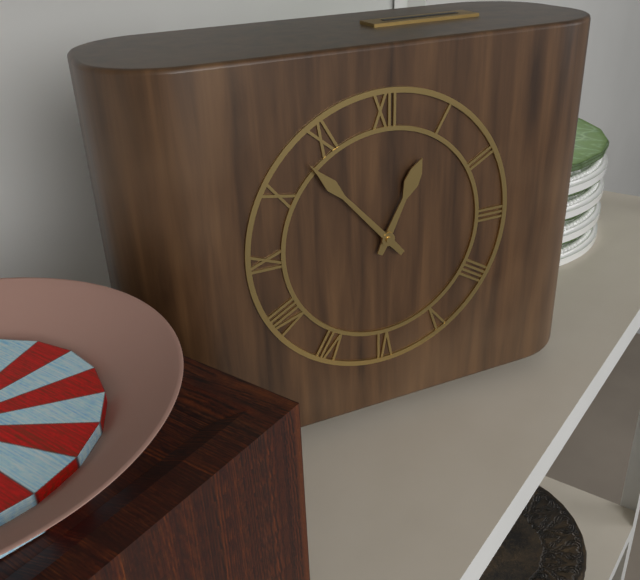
12:53
